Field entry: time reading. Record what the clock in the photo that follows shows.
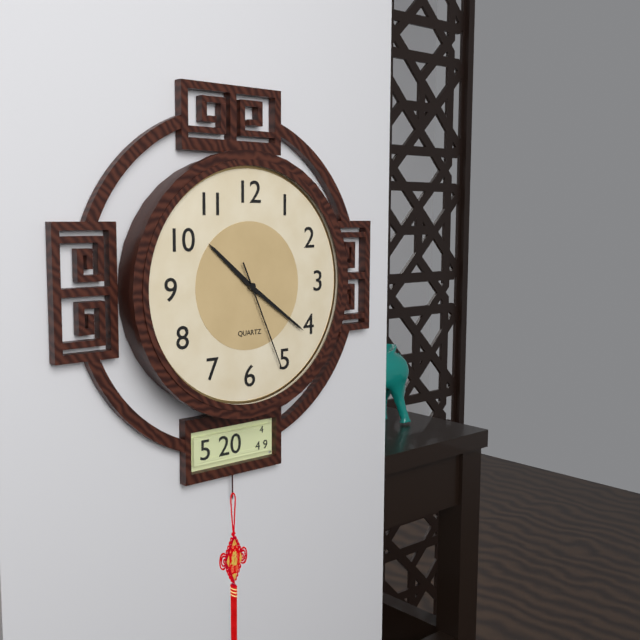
10:21:26
